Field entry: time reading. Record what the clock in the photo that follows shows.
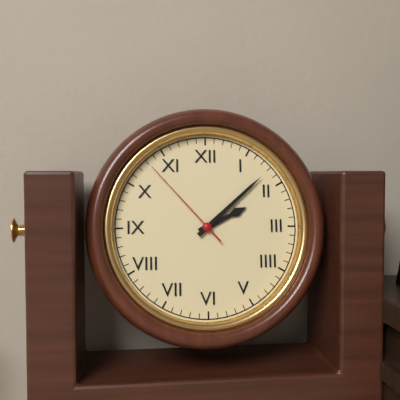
2:08:53
